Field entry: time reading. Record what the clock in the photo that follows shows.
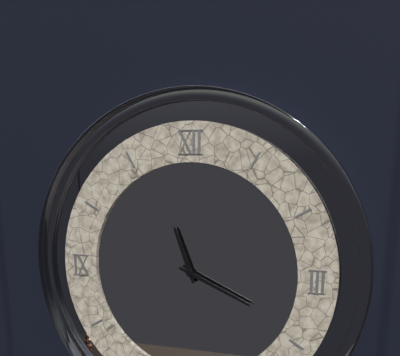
11:19
